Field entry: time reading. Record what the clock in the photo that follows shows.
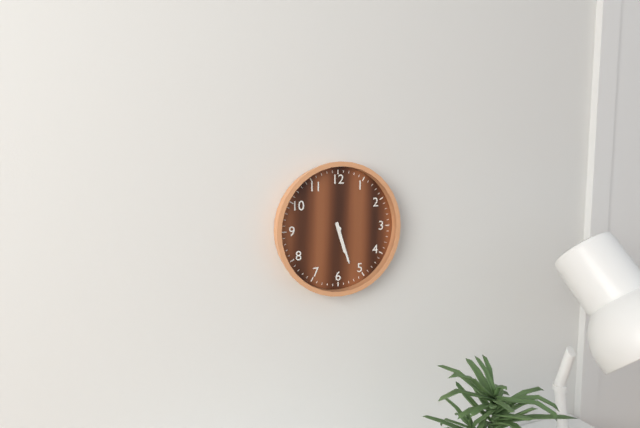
5:27
